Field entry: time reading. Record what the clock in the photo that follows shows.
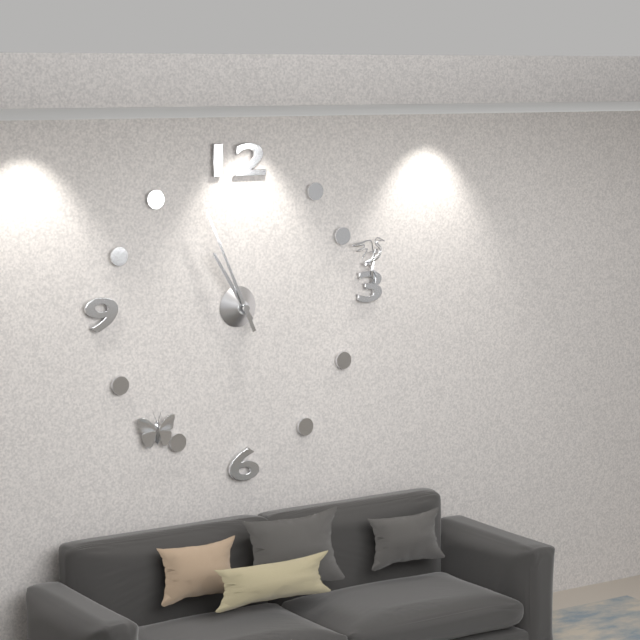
10:56
